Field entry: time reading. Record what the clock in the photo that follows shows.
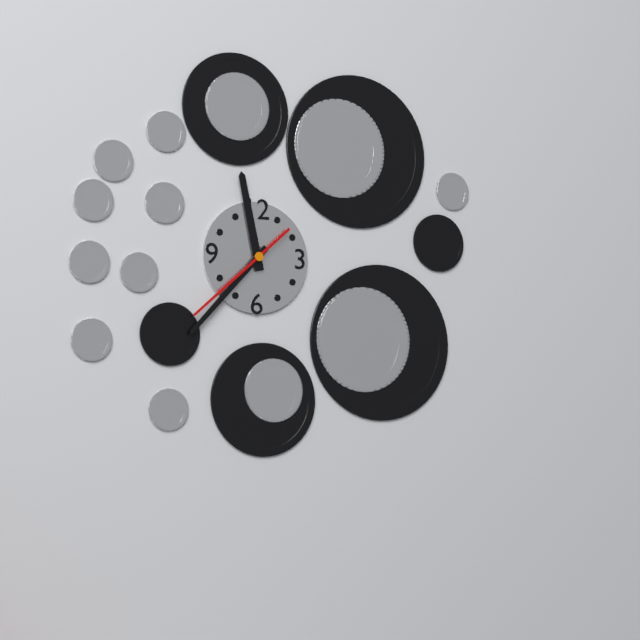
11:37:38
